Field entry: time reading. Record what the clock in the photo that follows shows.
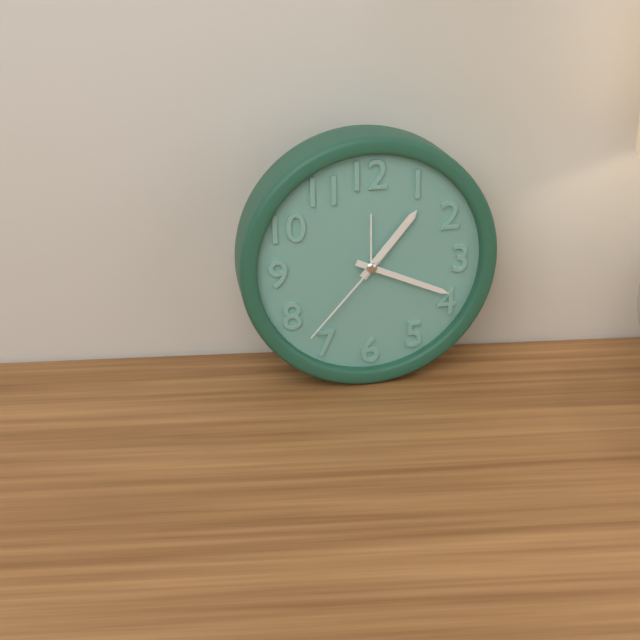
1:19:37
